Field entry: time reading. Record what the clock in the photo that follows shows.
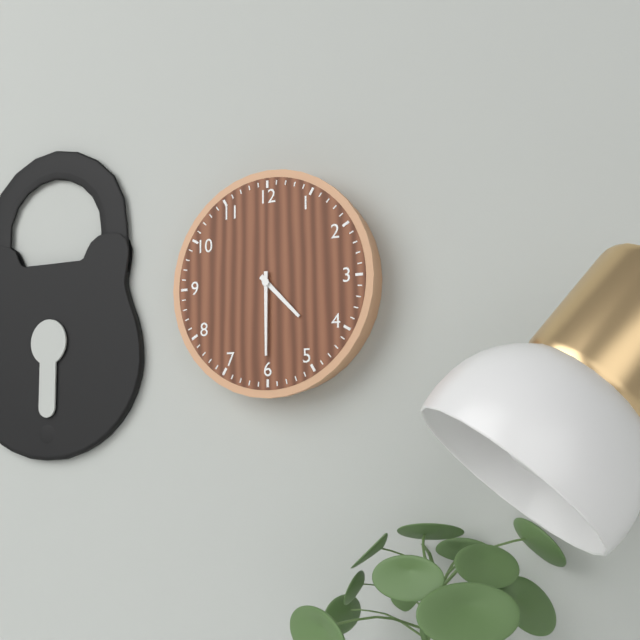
4:30
